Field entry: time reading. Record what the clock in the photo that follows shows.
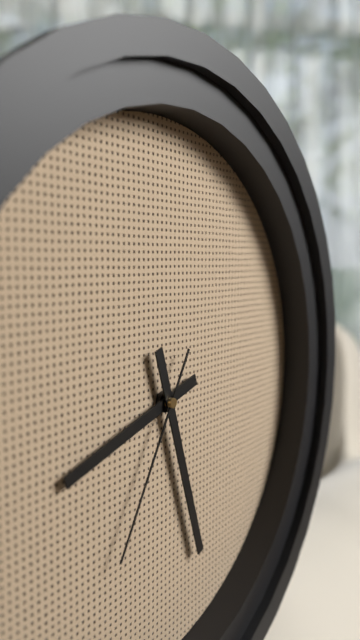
8:27:35
